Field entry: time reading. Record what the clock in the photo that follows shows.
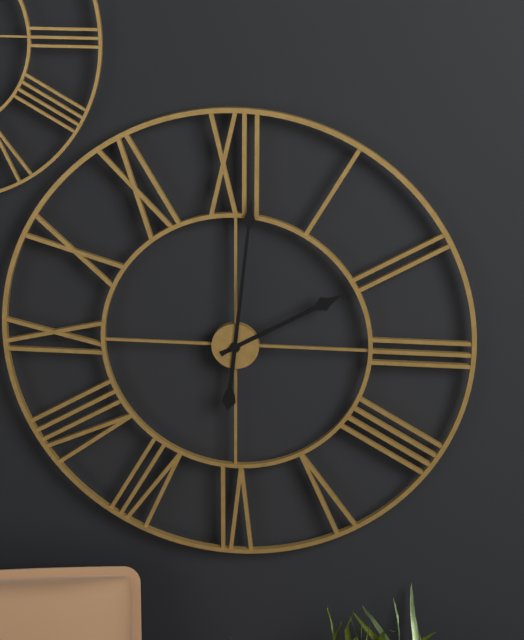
2:01
